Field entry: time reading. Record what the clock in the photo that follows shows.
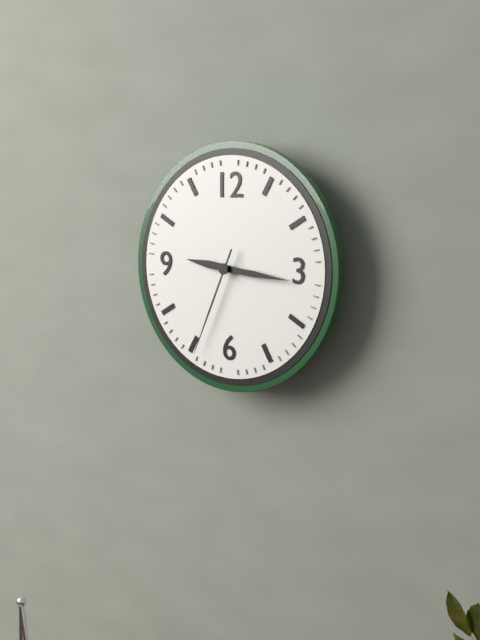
9:16:34
